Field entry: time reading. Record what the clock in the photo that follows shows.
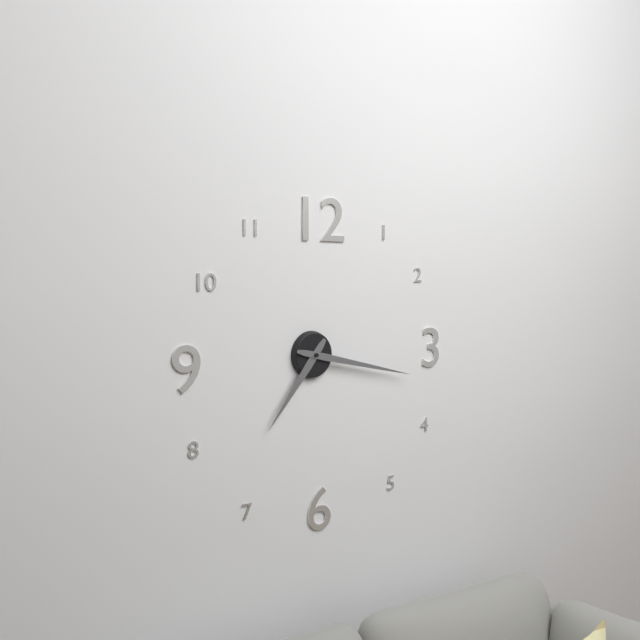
7:17
